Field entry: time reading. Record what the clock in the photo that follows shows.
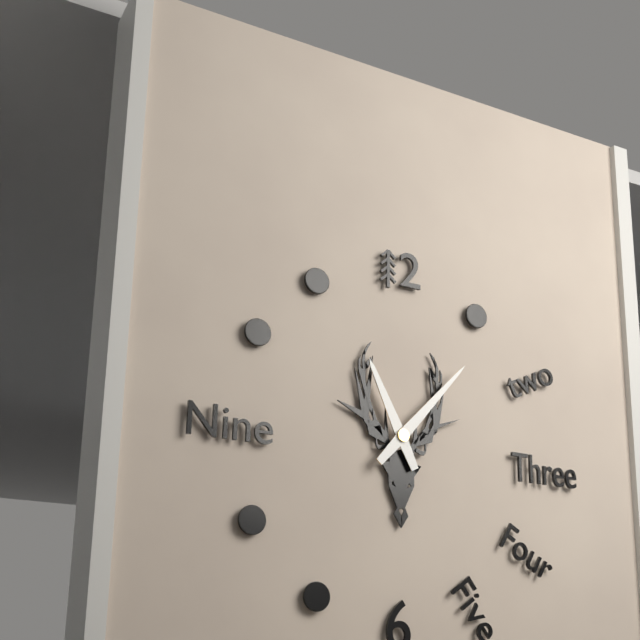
11:07
